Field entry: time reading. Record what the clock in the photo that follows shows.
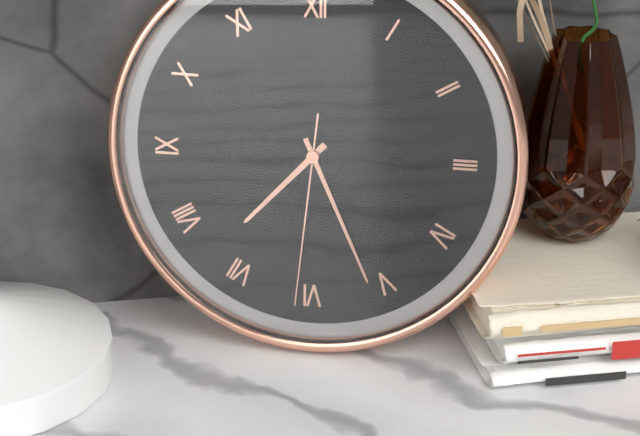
7:26:31
